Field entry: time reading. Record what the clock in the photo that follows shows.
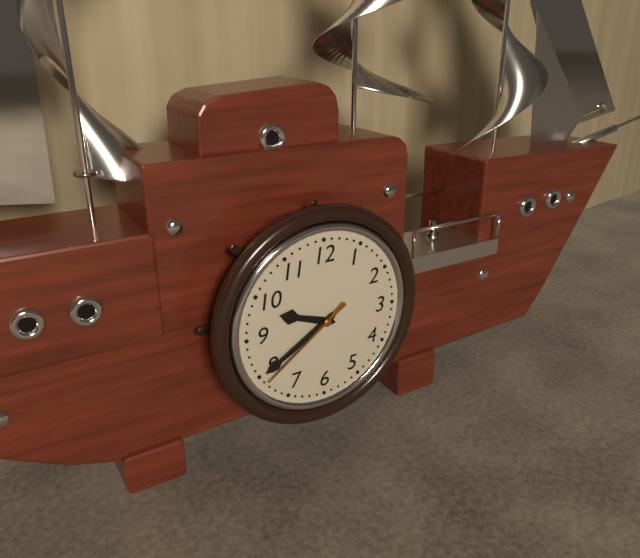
9:40:39
